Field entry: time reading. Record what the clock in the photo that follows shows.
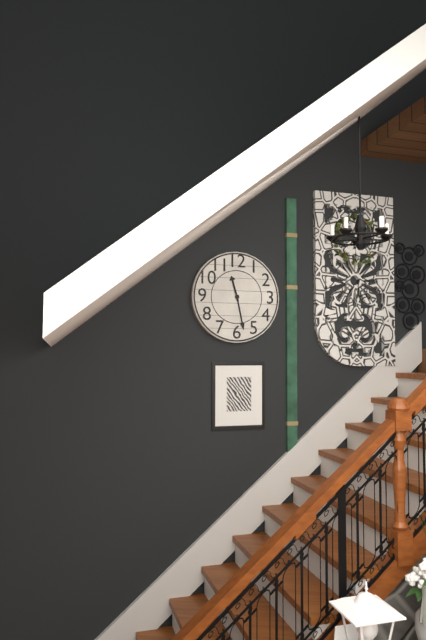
11:28
